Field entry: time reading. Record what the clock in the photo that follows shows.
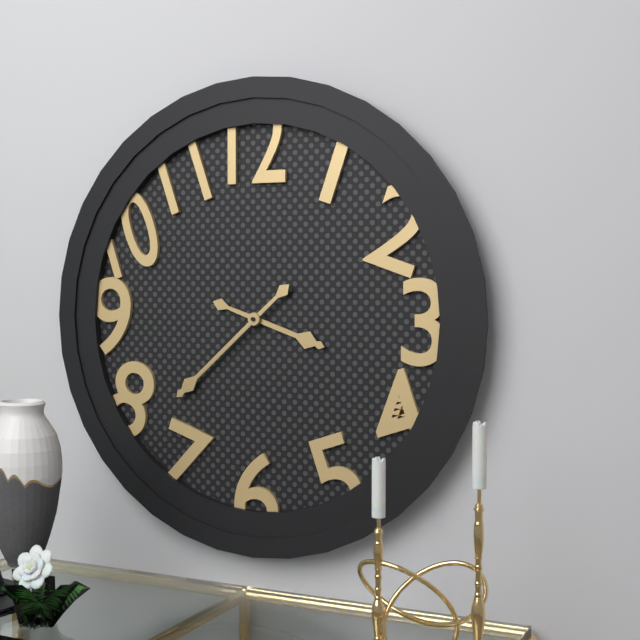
3:38
